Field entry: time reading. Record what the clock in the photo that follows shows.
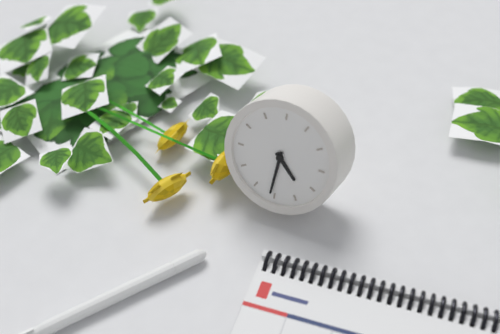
4:31
